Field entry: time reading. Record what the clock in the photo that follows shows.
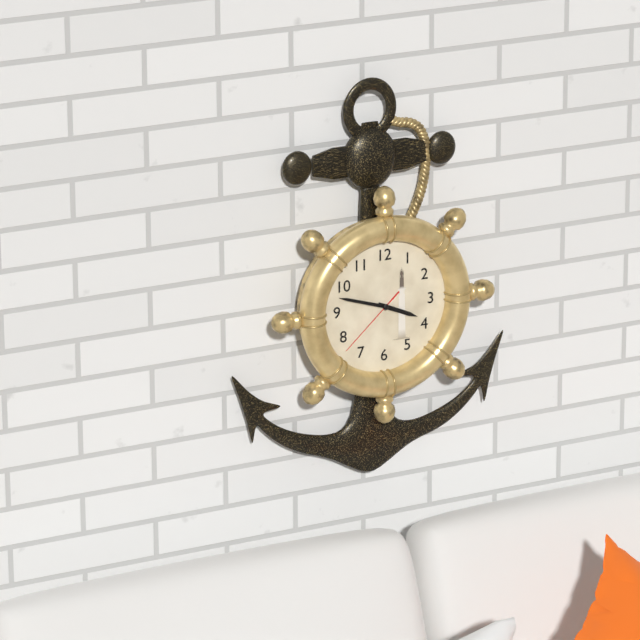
3:48:38
